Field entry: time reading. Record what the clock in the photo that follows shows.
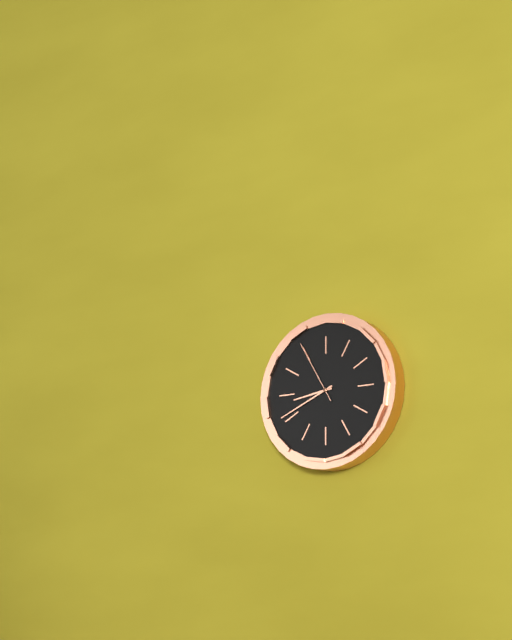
8:41:55
